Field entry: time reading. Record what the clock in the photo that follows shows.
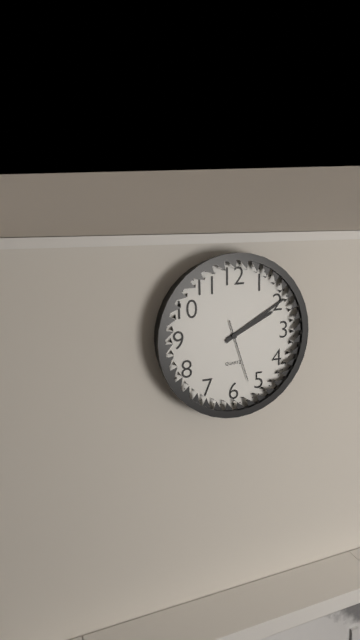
2:10:27
